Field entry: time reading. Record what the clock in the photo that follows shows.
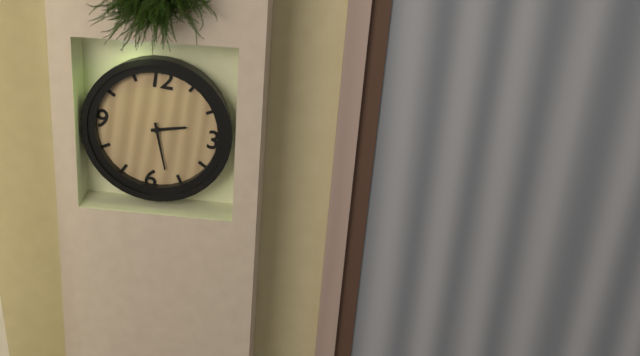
2:27
